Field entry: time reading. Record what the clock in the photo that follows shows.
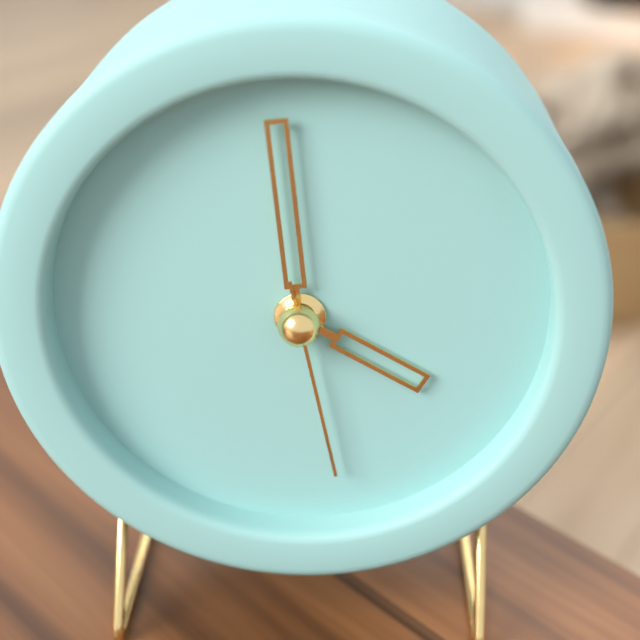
3:59:28
